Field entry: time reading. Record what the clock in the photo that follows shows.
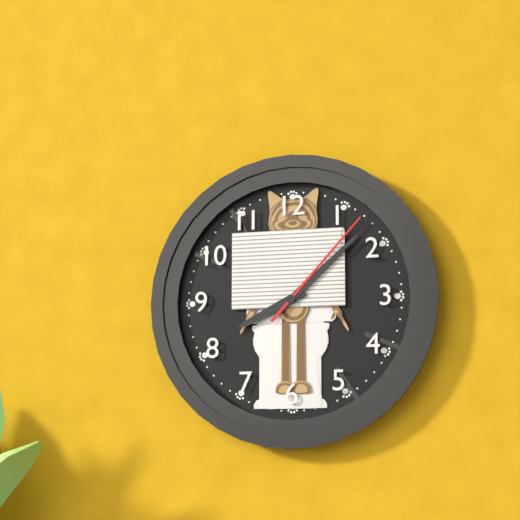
8:08:07
